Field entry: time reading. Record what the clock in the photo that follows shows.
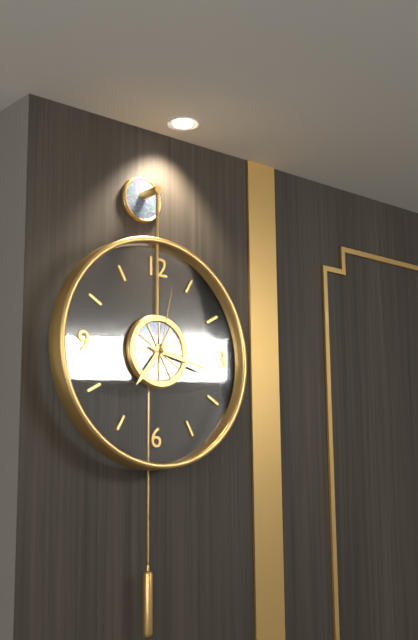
7:17:02
